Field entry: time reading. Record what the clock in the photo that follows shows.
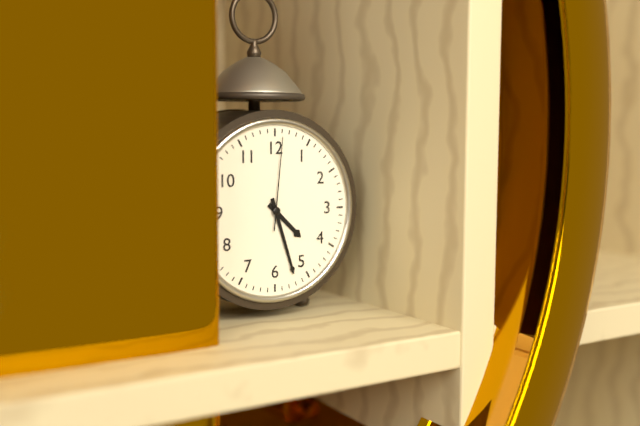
4:27:01
